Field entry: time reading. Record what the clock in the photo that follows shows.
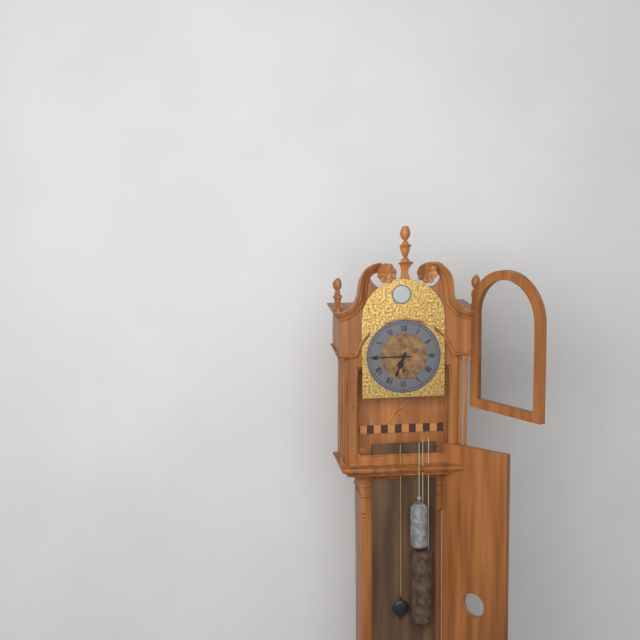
6:45
